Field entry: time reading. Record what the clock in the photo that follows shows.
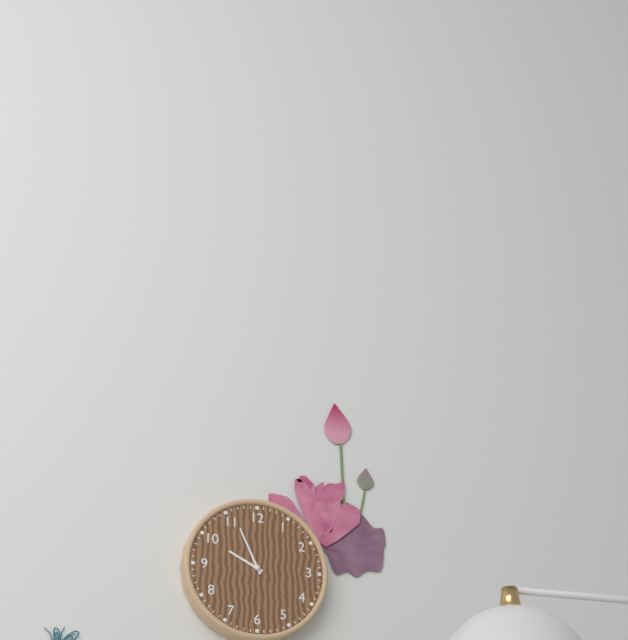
9:56
